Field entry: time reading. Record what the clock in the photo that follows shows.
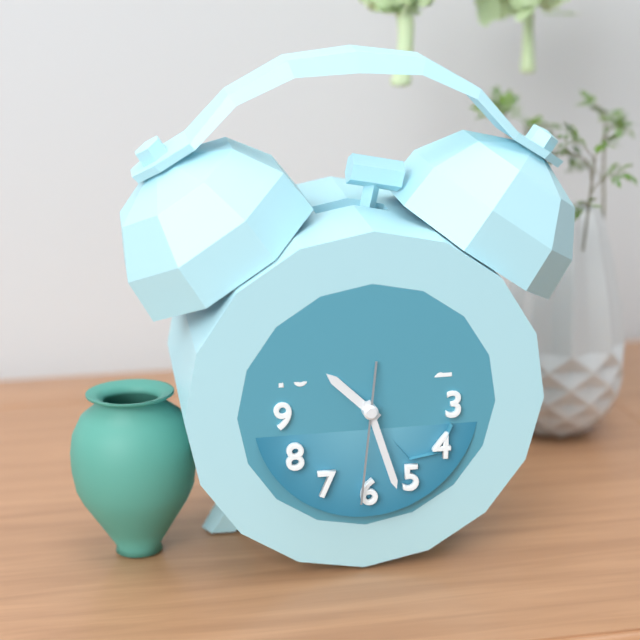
10:27:31
